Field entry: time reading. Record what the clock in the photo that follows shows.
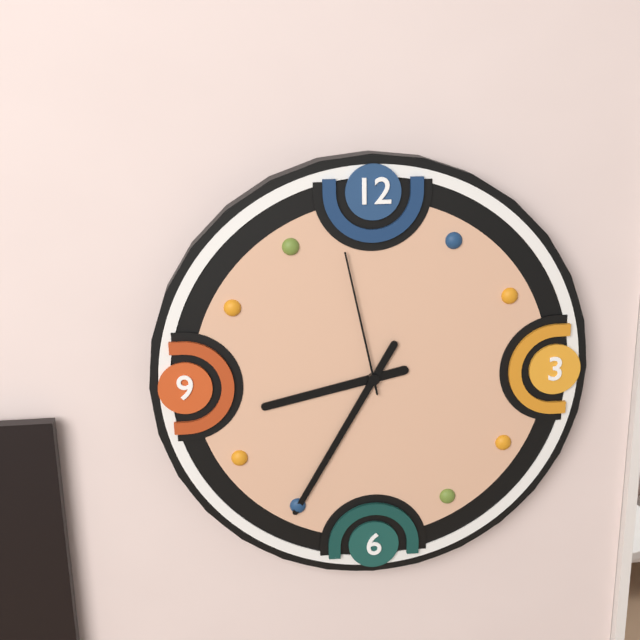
8:35:58
